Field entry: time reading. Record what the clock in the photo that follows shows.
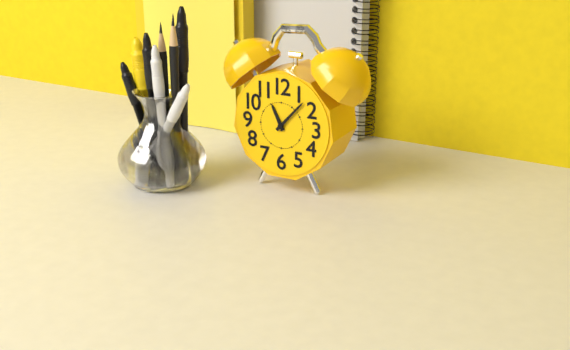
11:07
